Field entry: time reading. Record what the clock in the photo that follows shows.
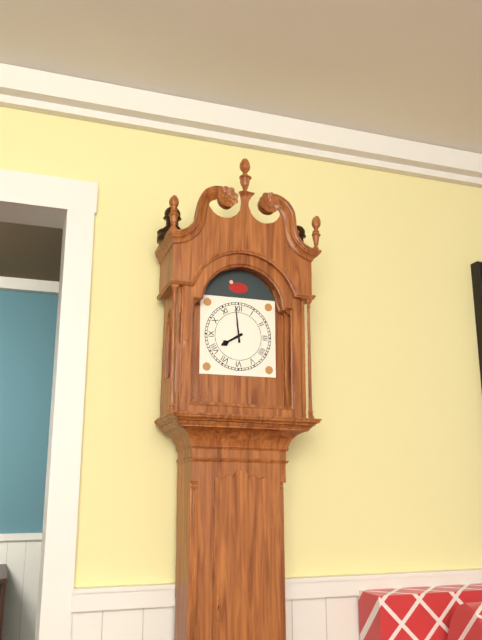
7:59
